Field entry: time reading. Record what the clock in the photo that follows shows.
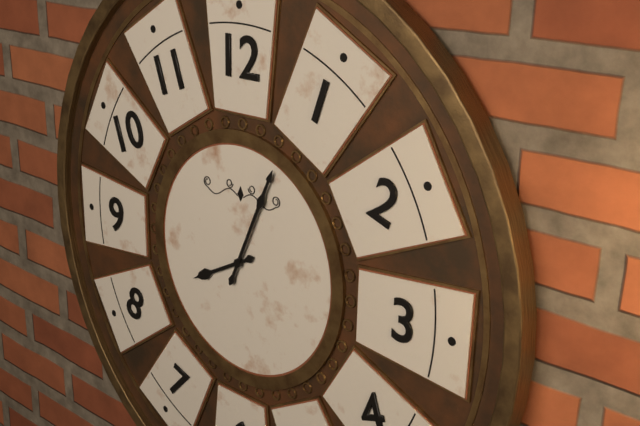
8:04
